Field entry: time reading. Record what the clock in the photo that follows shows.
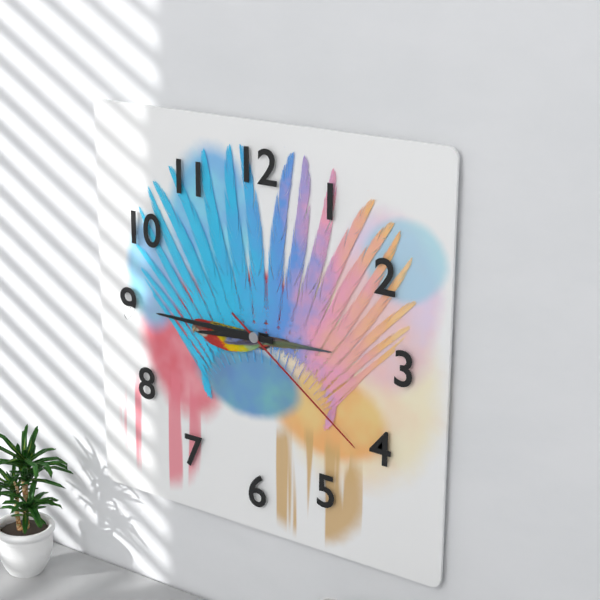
8:45:21
